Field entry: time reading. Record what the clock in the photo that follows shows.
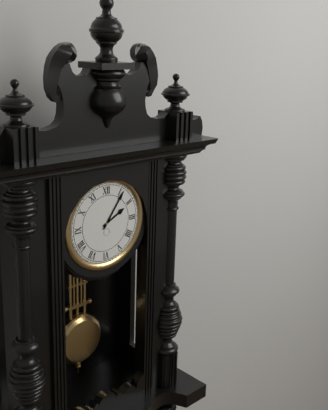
2:06
